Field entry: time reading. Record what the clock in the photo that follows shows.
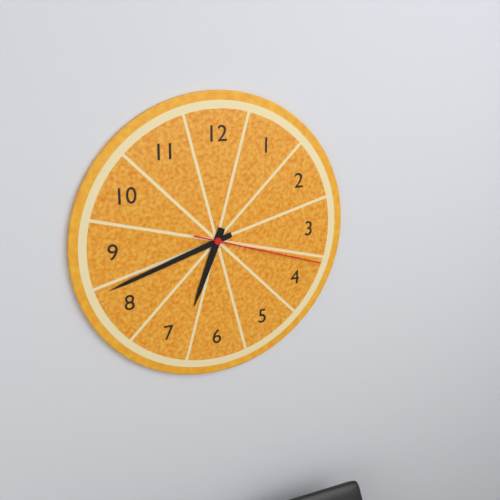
6:42:18
